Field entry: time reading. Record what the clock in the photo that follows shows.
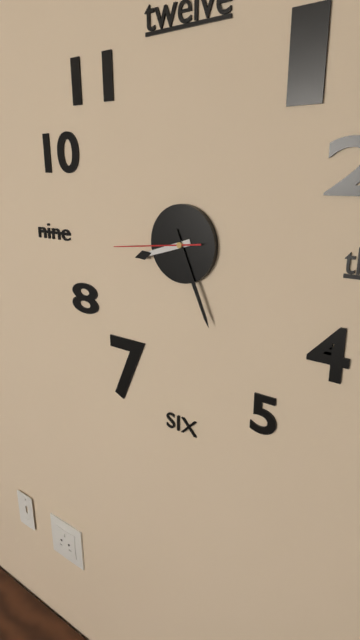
8:26:44
